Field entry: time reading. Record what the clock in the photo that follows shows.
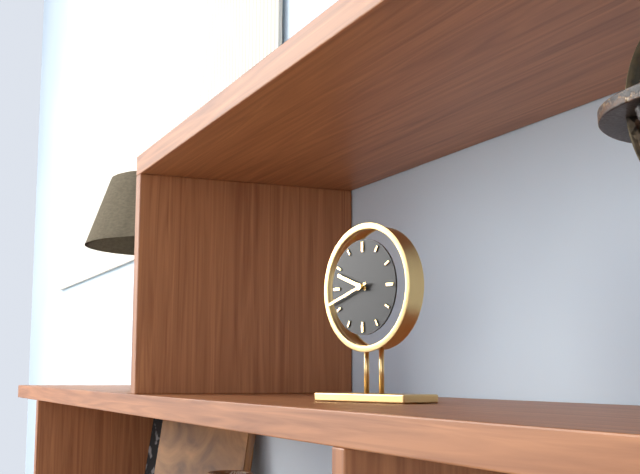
9:42
